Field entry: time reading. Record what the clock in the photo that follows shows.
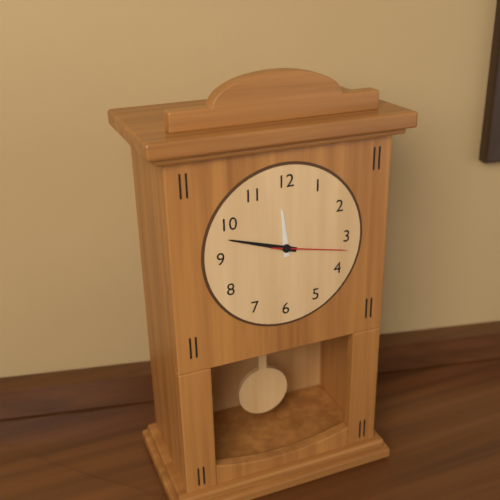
11:48:17
